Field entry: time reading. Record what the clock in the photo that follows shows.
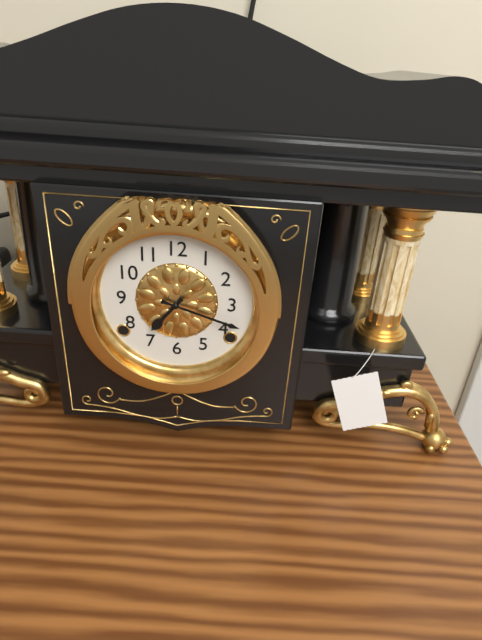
7:18
